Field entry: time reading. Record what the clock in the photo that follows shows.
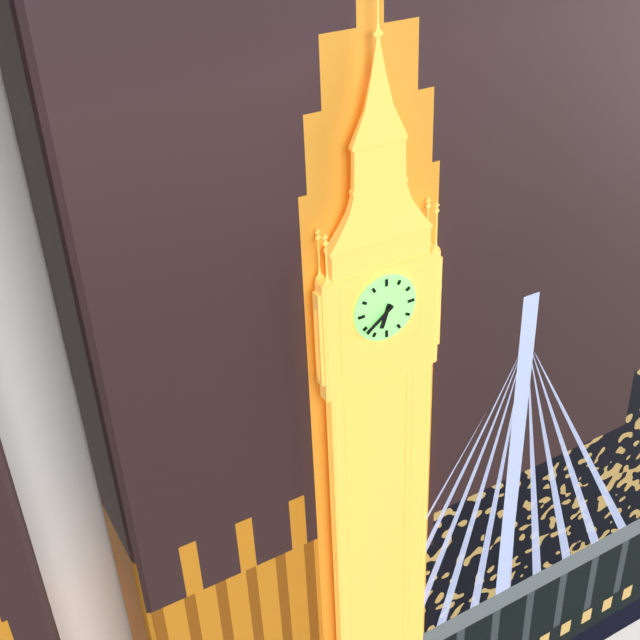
6:39
